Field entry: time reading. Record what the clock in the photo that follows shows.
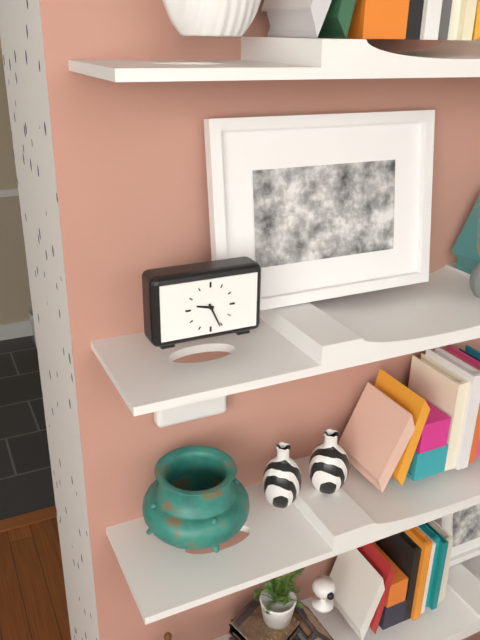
9:26
